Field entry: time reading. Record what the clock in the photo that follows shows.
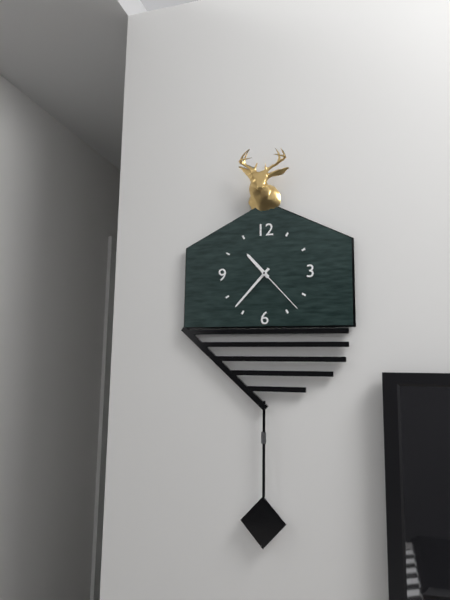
10:37:23
